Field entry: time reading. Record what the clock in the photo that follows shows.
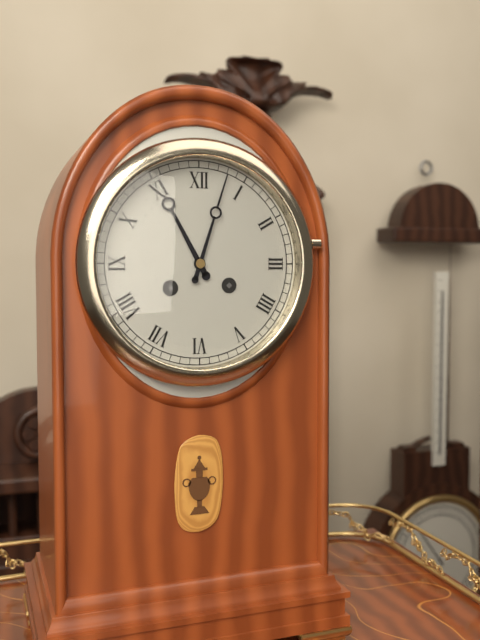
11:03
